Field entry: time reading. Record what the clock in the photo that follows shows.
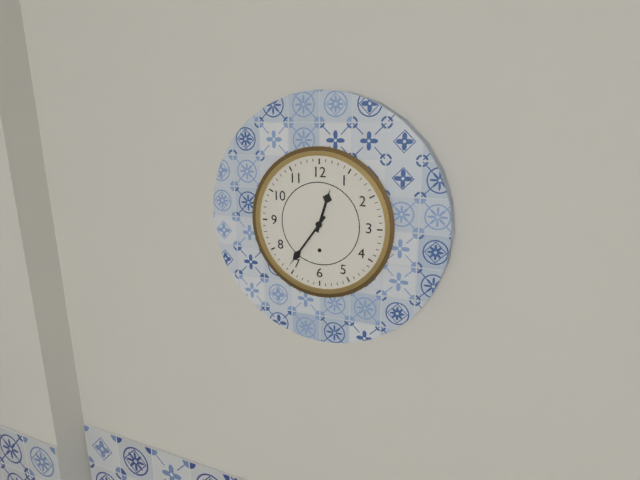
12:36
